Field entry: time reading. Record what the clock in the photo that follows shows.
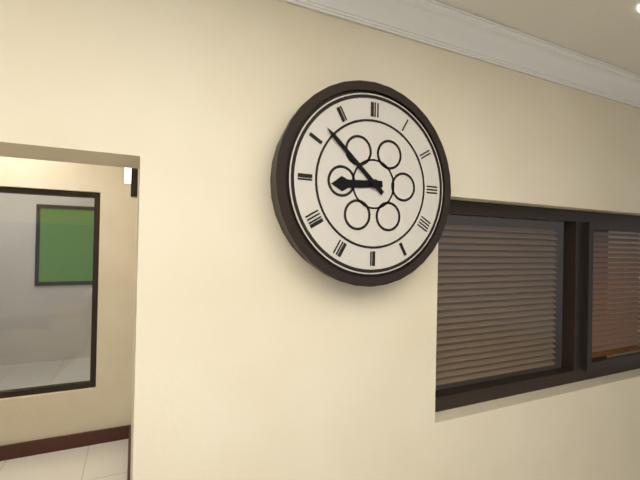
8:52
